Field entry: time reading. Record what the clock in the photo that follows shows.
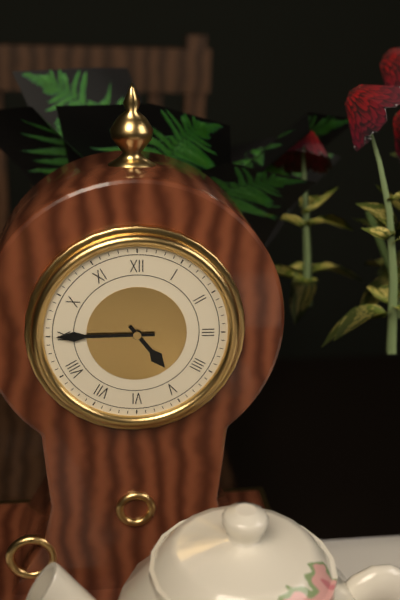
4:45
